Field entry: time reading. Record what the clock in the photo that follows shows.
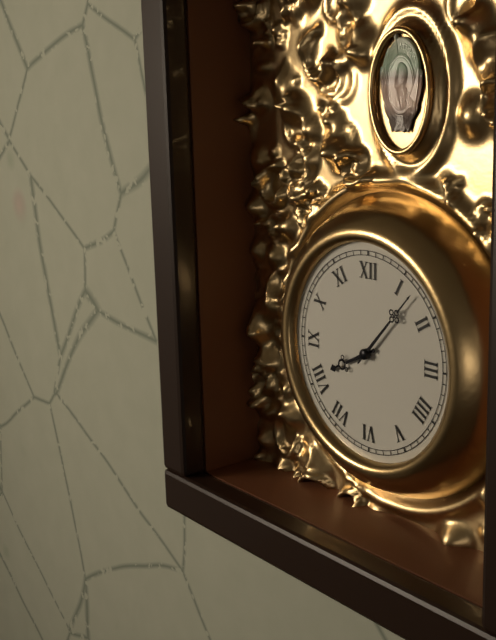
8:07
